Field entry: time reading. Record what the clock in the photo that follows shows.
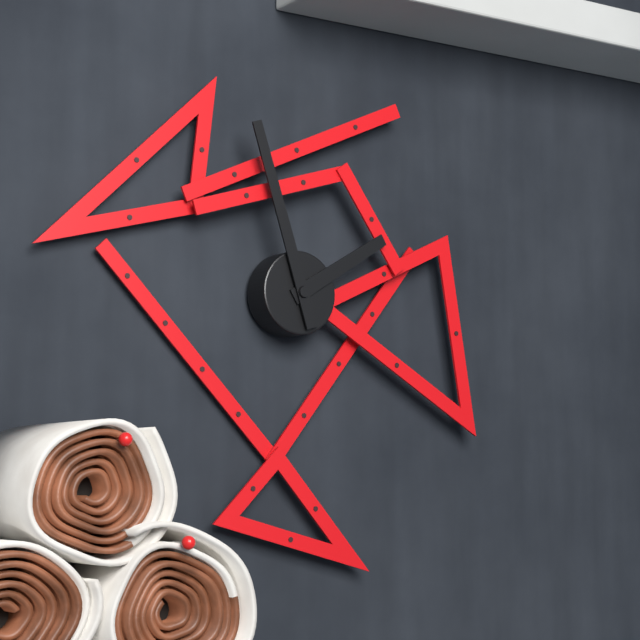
1:57
